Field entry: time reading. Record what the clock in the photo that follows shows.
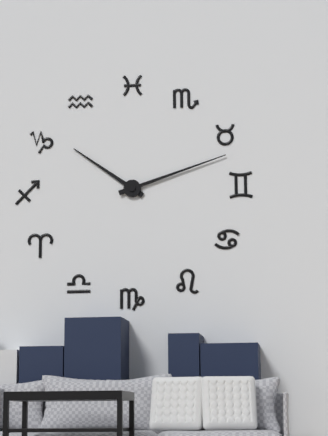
10:12
